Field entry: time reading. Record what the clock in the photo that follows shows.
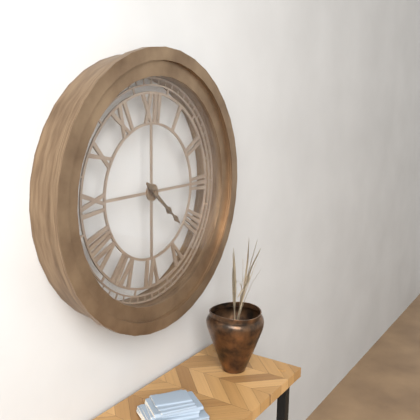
4:22
